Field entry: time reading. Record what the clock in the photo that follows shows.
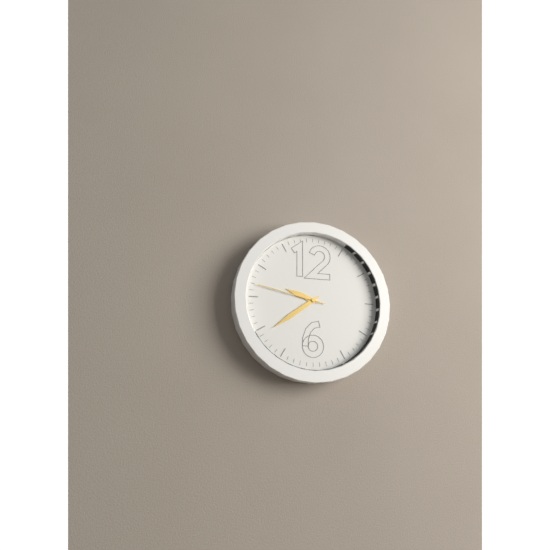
9:39:47
